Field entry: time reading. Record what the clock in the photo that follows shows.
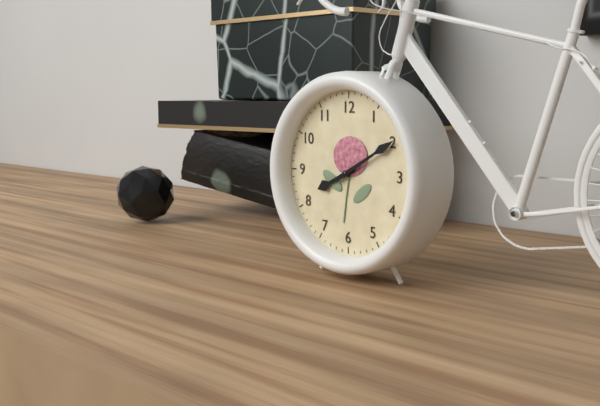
8:10
